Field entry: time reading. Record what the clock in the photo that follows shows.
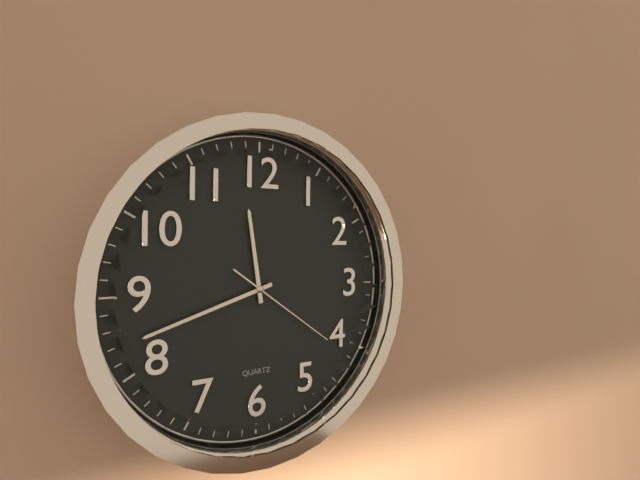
11:42:21
